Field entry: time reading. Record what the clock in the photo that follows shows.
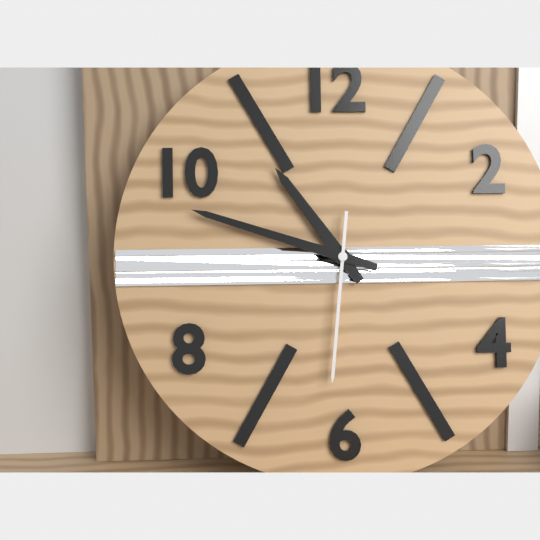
10:48:31
